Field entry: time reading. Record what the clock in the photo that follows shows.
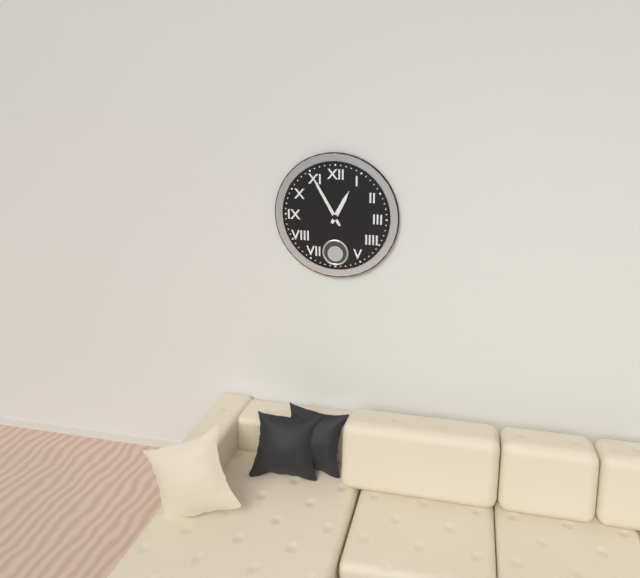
12:55
